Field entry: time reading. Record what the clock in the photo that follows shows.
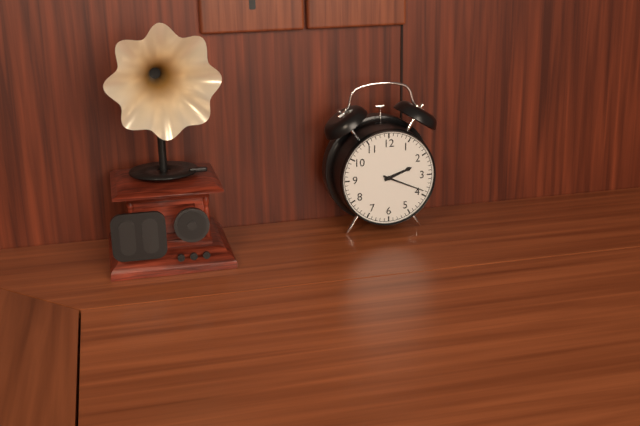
2:19
